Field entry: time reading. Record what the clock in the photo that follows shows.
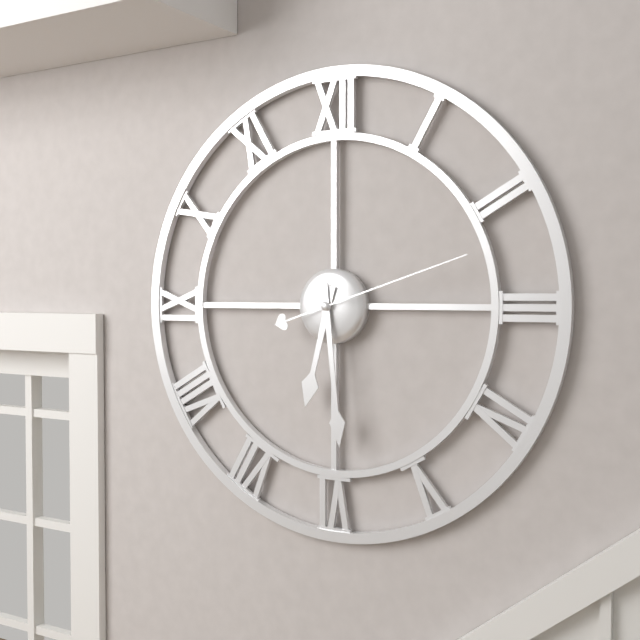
6:29:12
